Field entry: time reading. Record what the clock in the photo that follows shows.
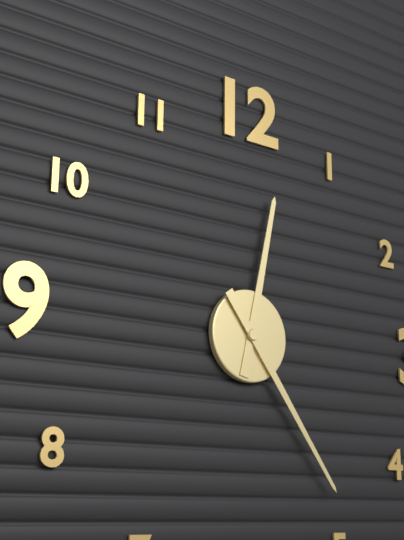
12:24
